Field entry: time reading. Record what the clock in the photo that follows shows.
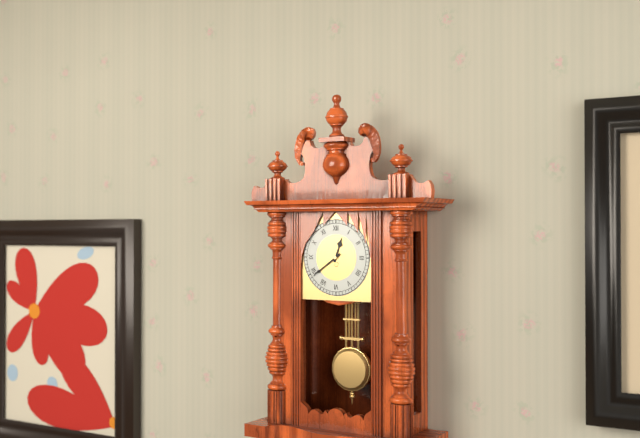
12:39
